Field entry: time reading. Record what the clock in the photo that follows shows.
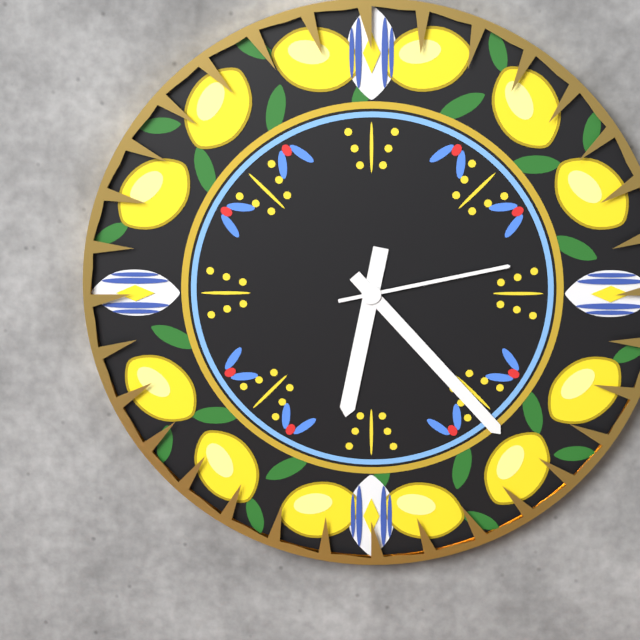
6:23:13
